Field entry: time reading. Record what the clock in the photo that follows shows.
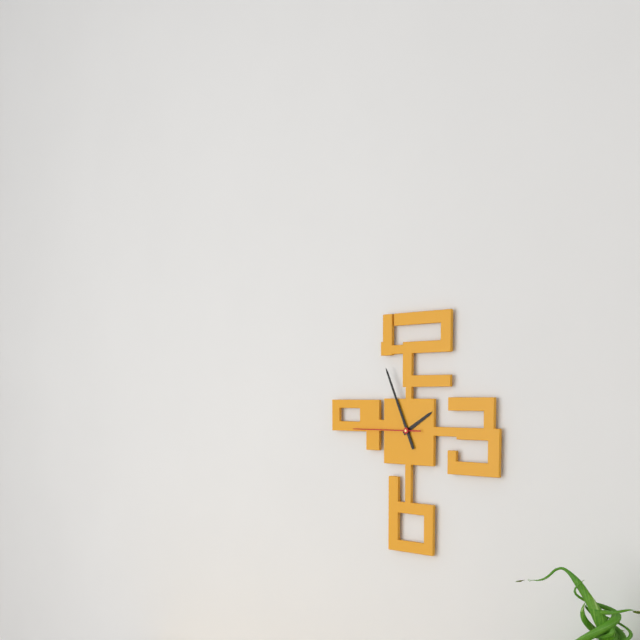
1:56:45
